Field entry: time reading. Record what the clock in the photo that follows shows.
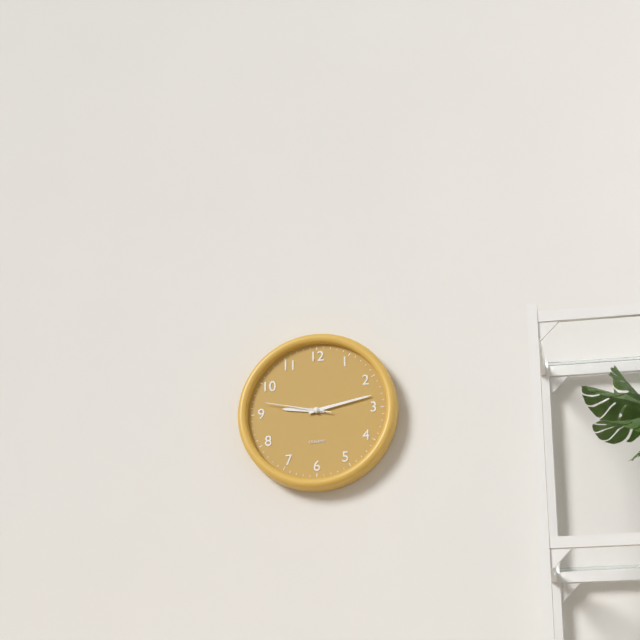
9:13:47
